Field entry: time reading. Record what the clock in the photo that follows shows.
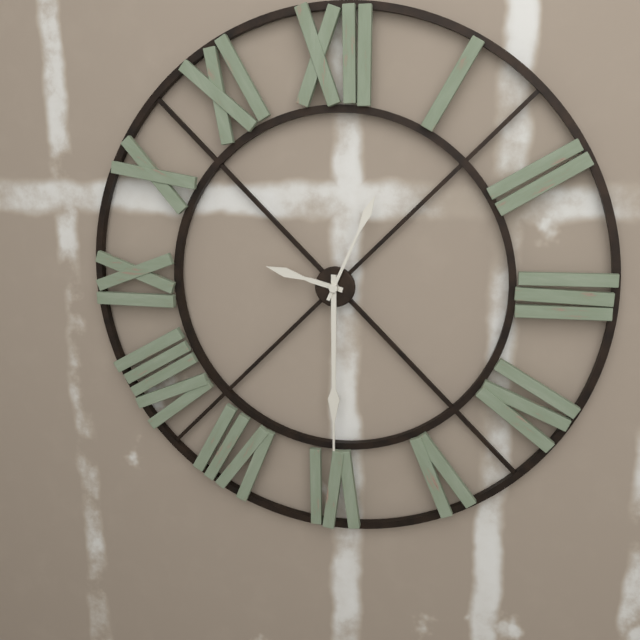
9:30:04
